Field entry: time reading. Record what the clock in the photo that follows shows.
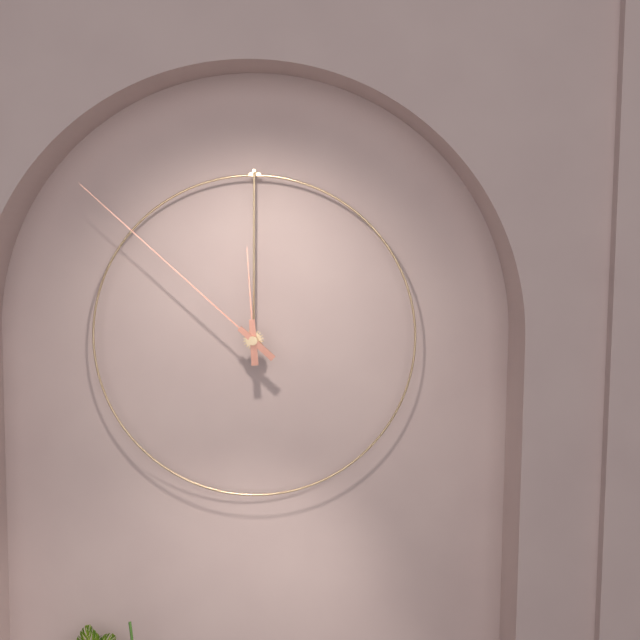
11:52
